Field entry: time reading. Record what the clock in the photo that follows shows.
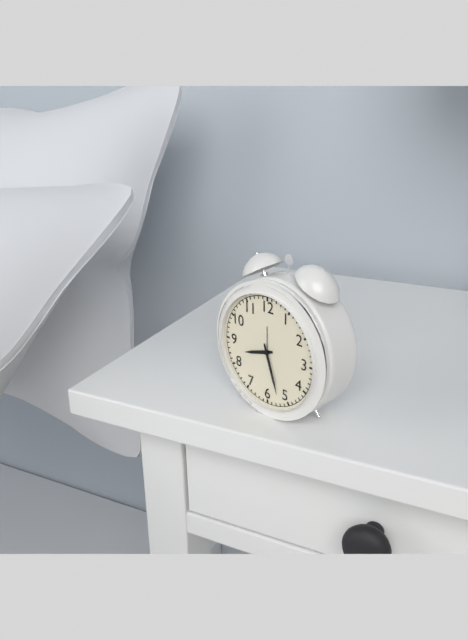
8:27
